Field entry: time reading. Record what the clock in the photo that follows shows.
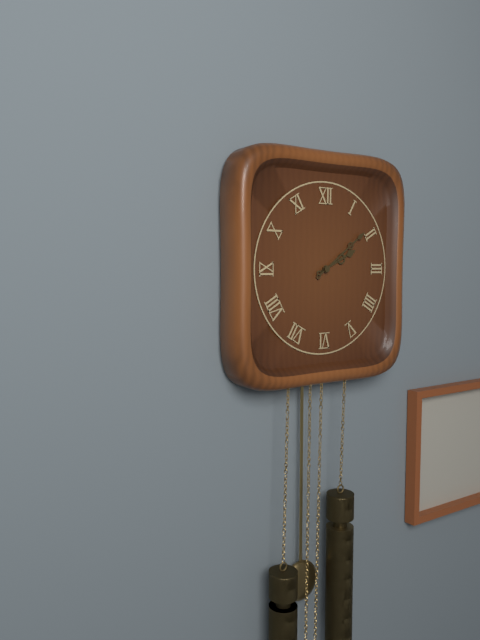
2:09
